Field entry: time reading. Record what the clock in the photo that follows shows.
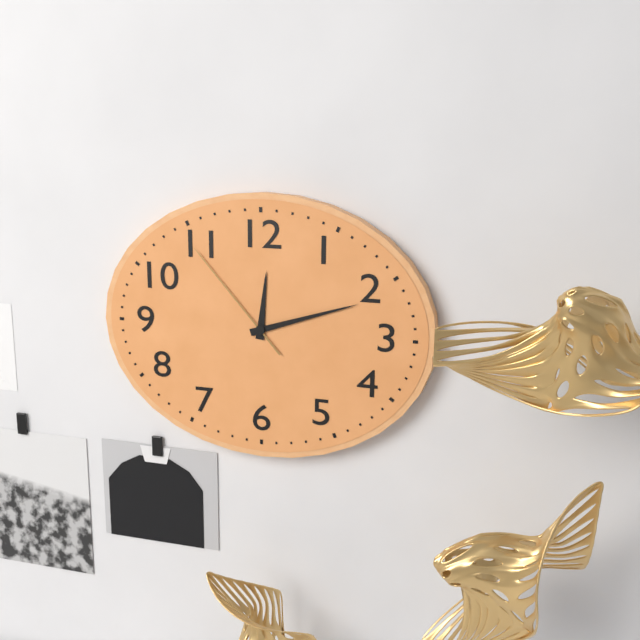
12:12:53
